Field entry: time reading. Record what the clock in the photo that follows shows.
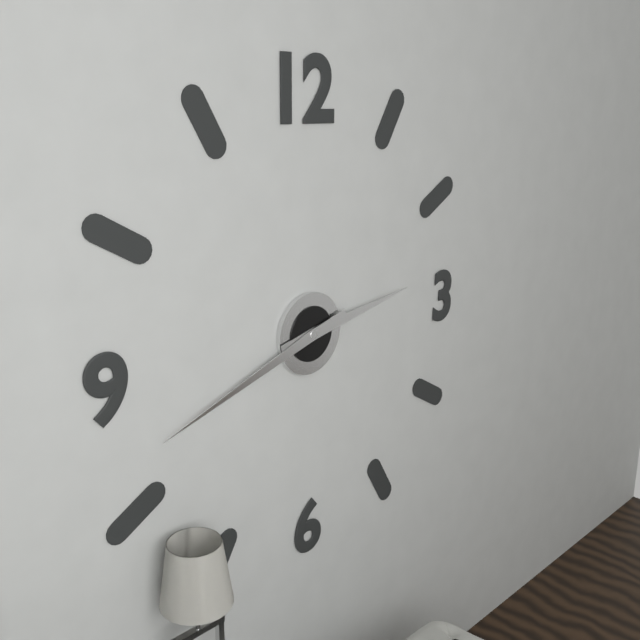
2:42
